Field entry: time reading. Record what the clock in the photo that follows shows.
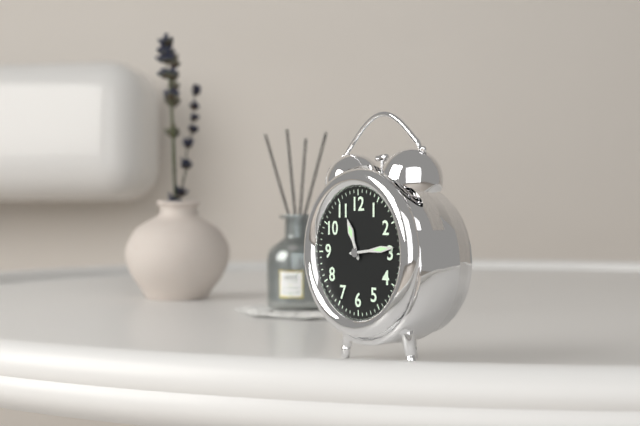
11:14
